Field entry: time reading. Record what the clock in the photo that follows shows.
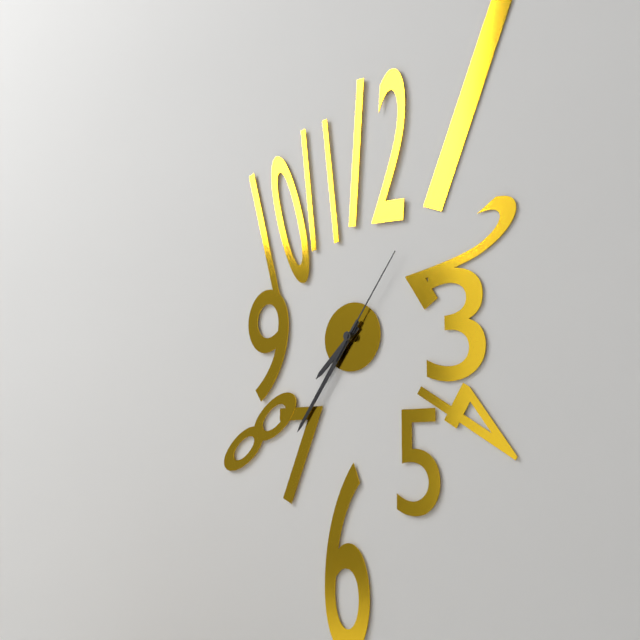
7:36:06
